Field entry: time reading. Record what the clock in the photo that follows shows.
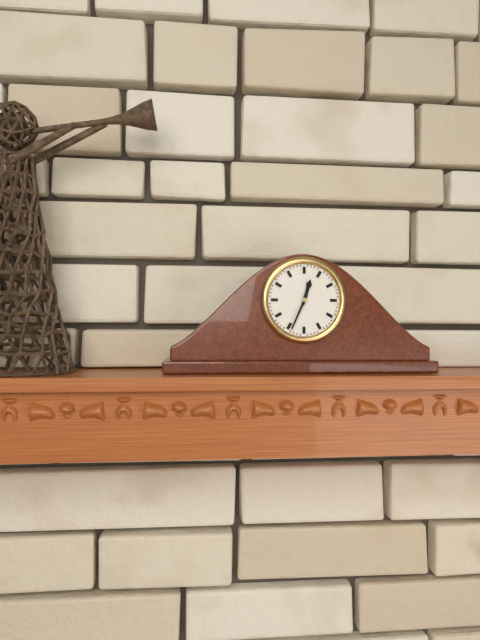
12:34
